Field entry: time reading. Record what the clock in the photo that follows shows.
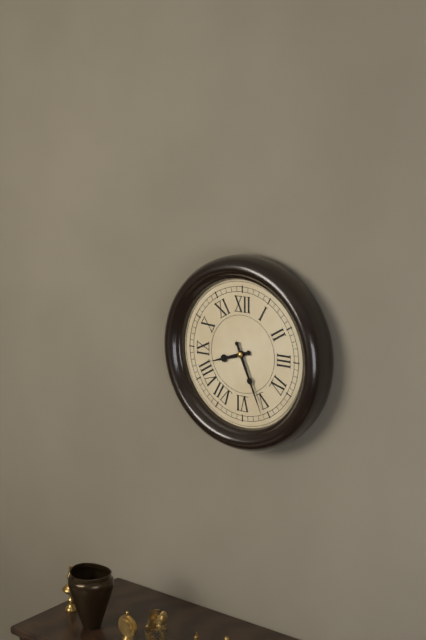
8:26
